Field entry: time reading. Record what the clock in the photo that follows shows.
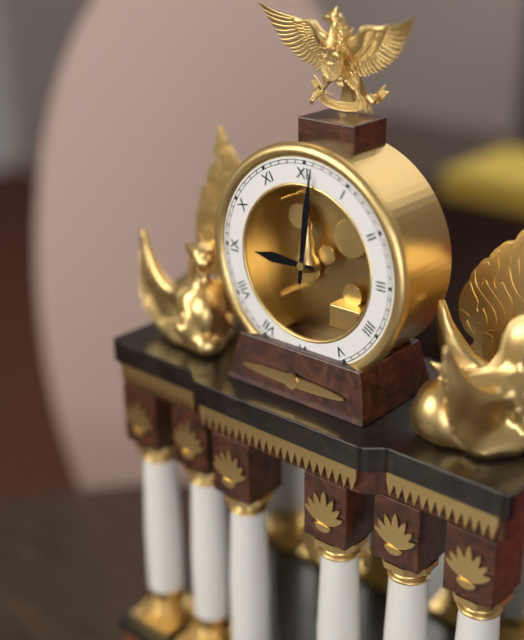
9:01
